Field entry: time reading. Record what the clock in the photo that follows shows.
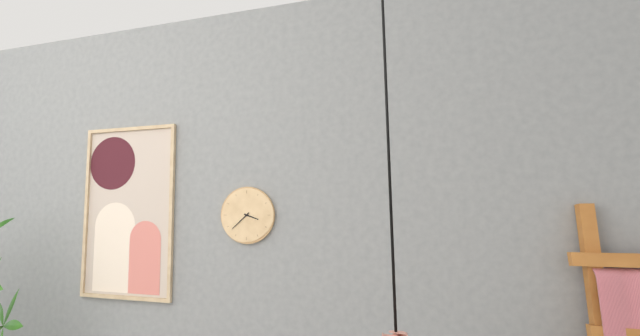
3:38
